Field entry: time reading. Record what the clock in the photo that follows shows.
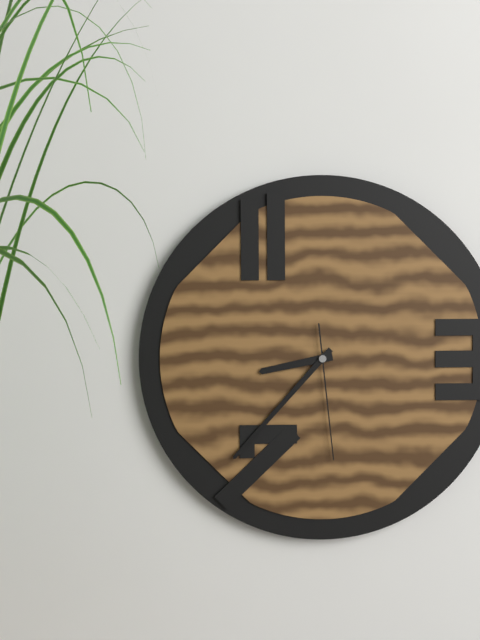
8:37:29
